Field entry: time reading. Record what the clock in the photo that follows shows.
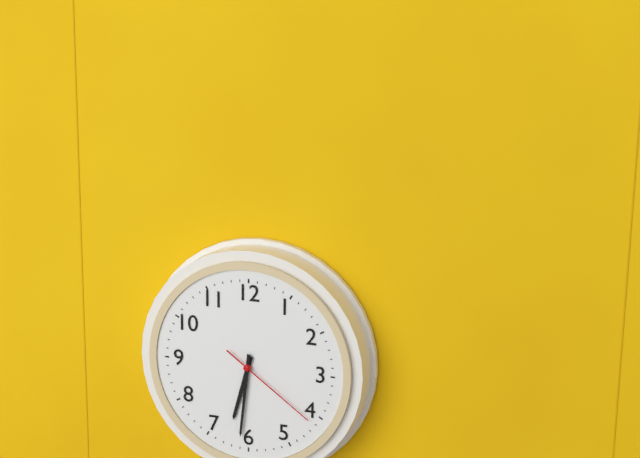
6:31:21
